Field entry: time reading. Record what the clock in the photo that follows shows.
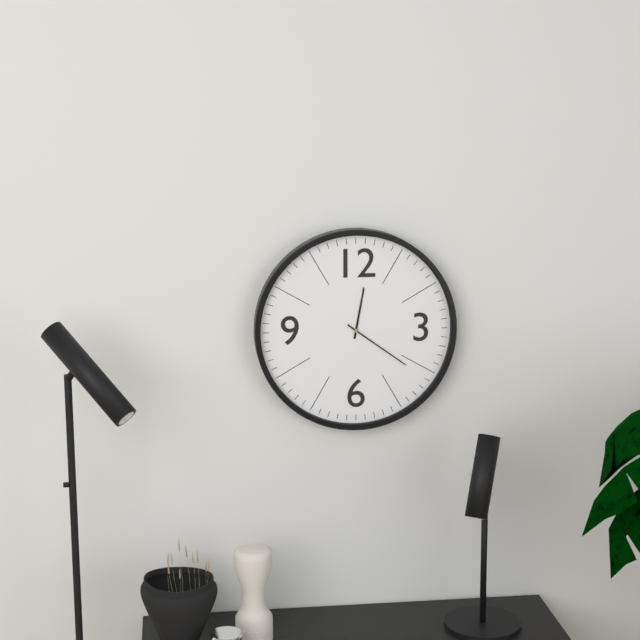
12:21
